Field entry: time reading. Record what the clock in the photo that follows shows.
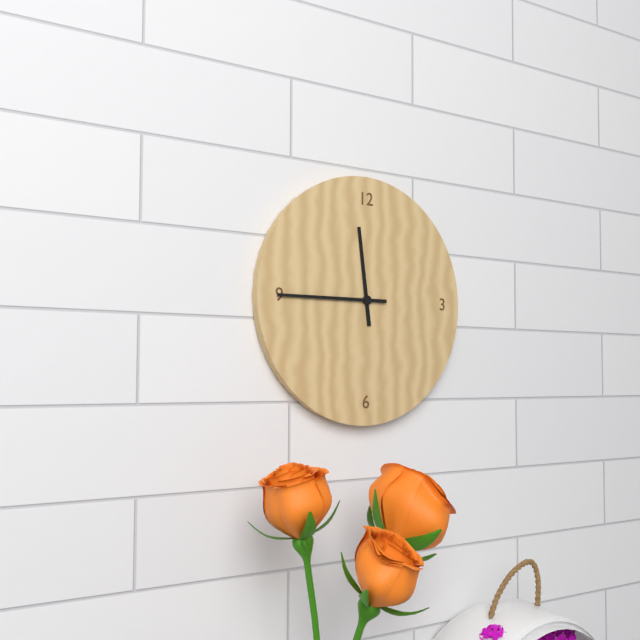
11:45
